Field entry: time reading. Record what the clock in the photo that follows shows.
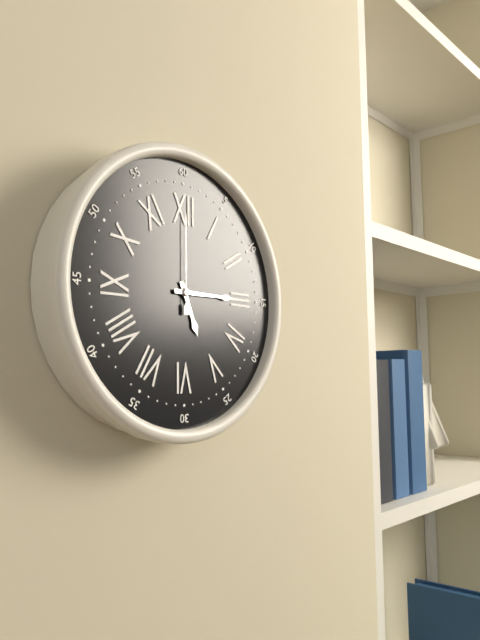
5:15:00
